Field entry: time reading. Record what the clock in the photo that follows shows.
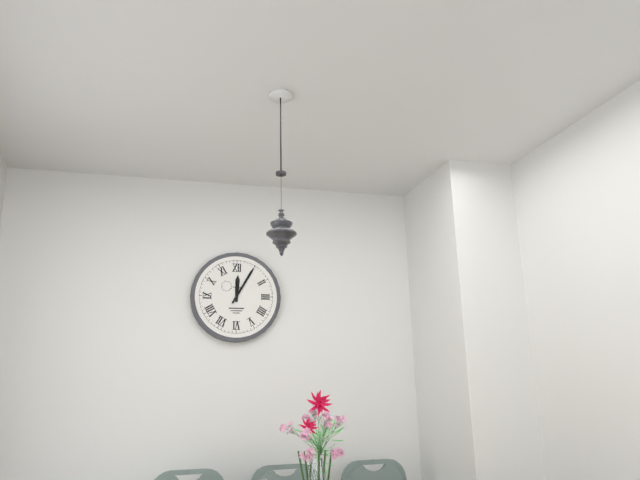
12:05
